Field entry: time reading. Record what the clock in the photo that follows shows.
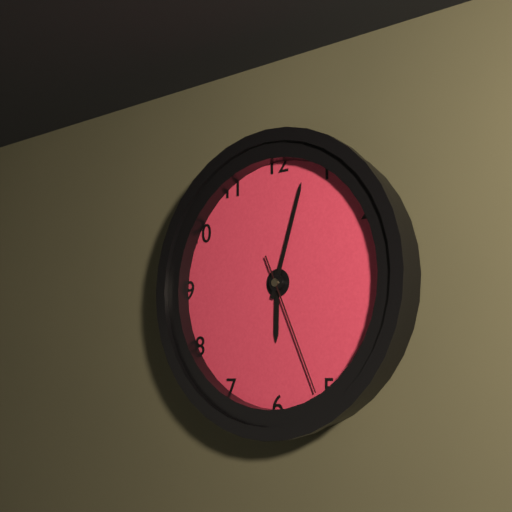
6:03:26
